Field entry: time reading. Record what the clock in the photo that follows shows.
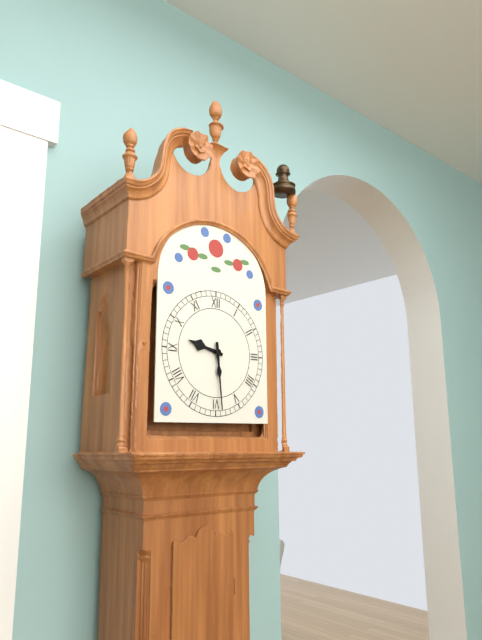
9:29
